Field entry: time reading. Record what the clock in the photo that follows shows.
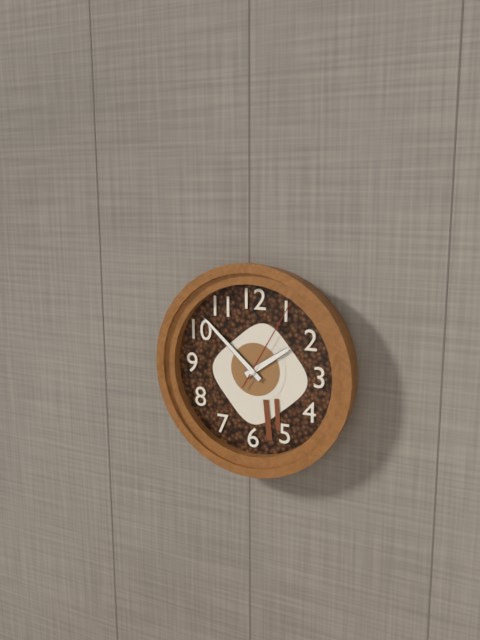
1:52:05
